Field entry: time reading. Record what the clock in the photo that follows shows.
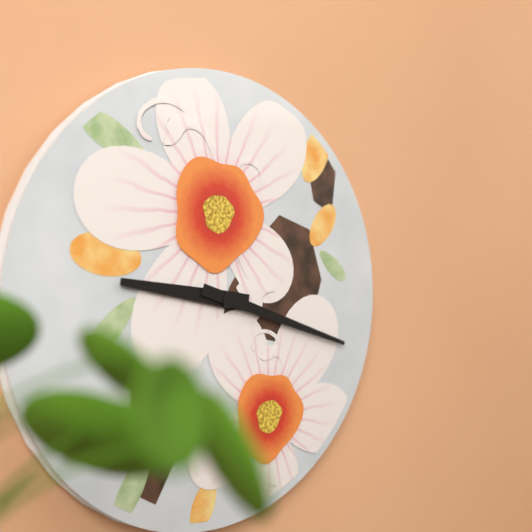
9:18
